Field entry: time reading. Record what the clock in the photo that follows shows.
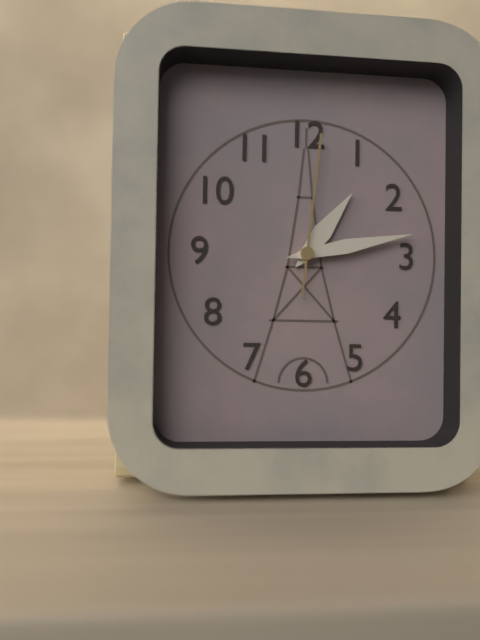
1:13:01
